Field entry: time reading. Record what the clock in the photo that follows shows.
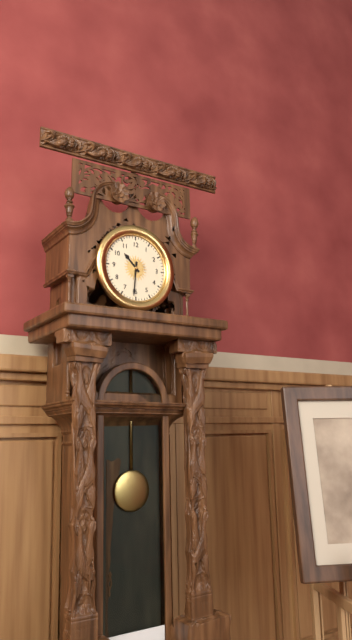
10:31
